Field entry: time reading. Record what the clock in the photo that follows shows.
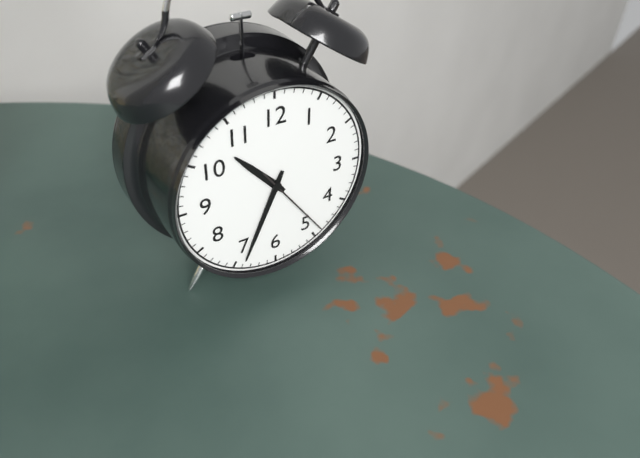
10:34:24
